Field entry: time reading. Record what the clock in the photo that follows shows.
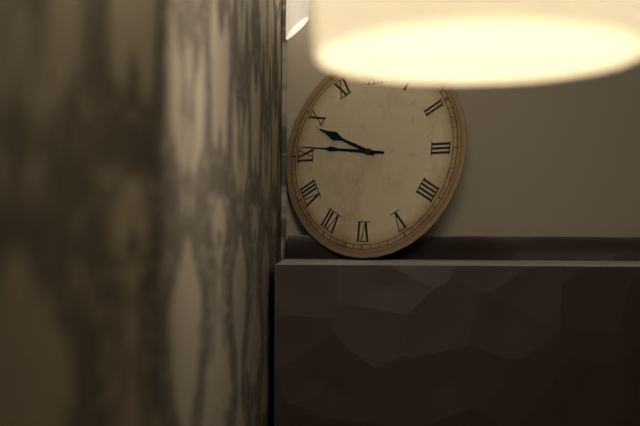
9:46
